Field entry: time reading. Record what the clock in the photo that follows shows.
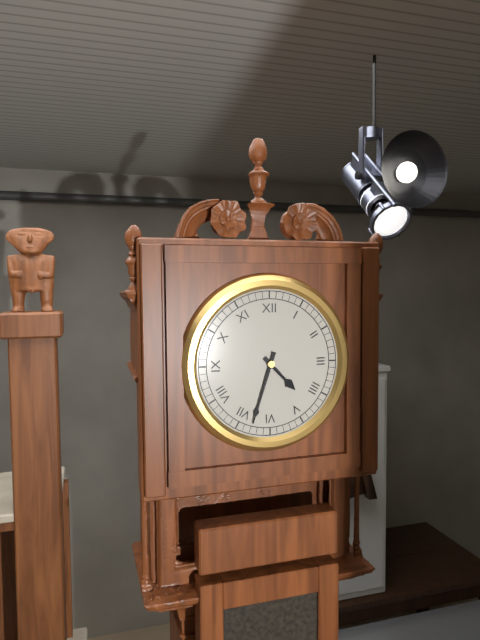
4:33
